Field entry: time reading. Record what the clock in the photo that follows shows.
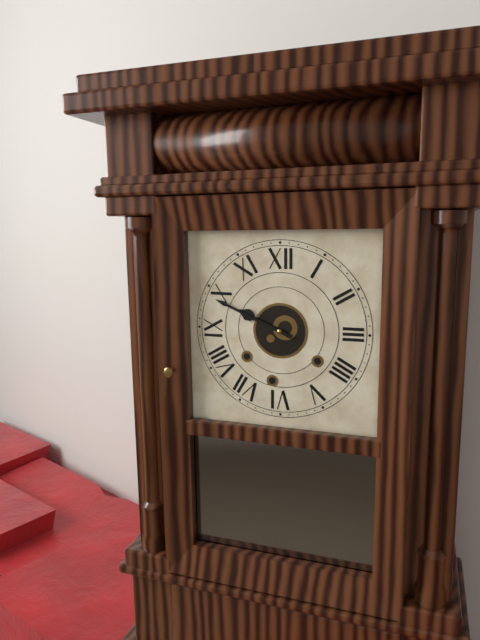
9:49
